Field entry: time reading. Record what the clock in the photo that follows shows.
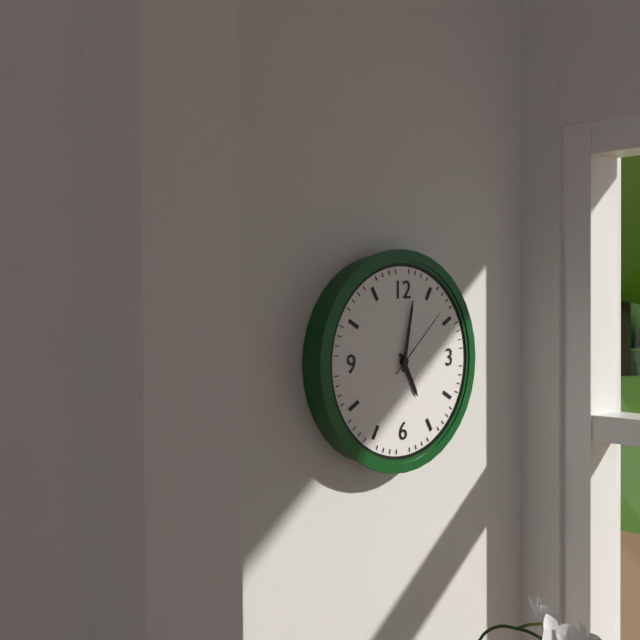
5:02:08
